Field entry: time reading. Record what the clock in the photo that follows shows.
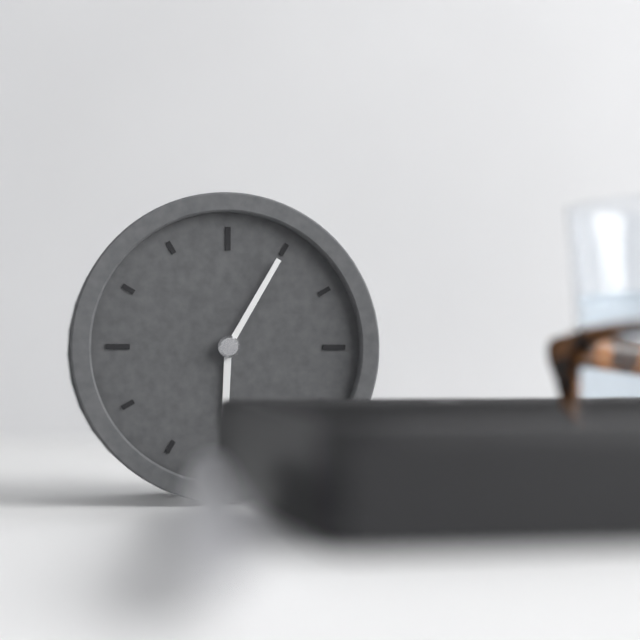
6:05
